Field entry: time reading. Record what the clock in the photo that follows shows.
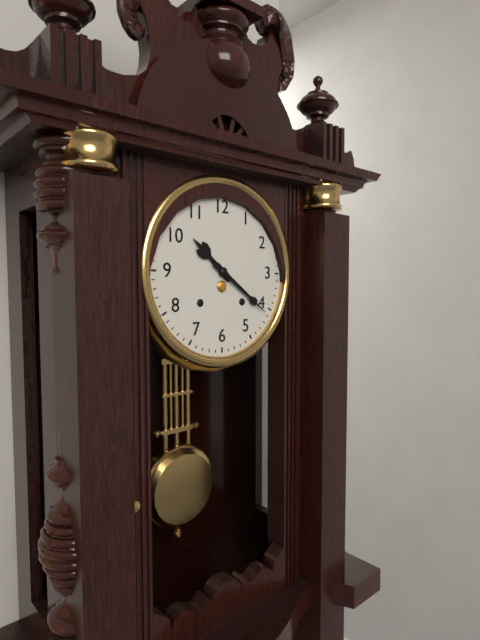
10:21
